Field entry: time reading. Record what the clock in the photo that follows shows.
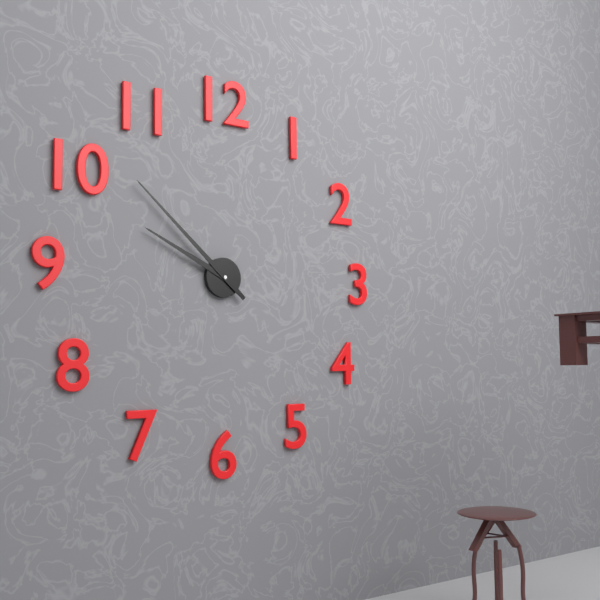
9:52
